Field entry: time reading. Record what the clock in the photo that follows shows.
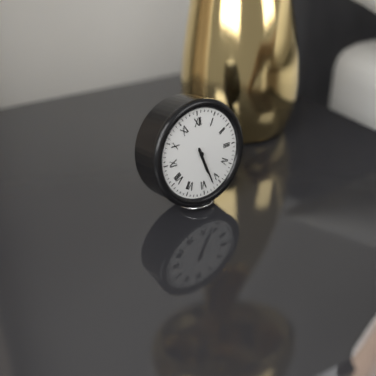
5:27
